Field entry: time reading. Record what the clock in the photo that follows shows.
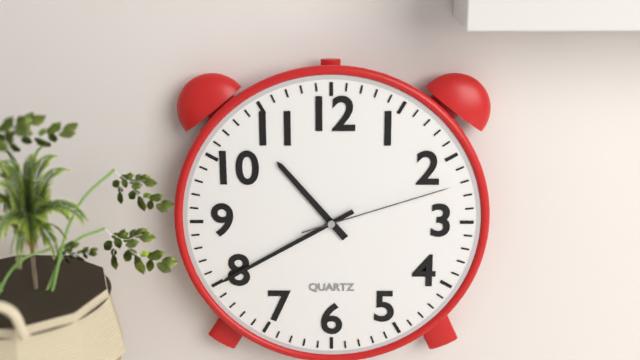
10:40:12
